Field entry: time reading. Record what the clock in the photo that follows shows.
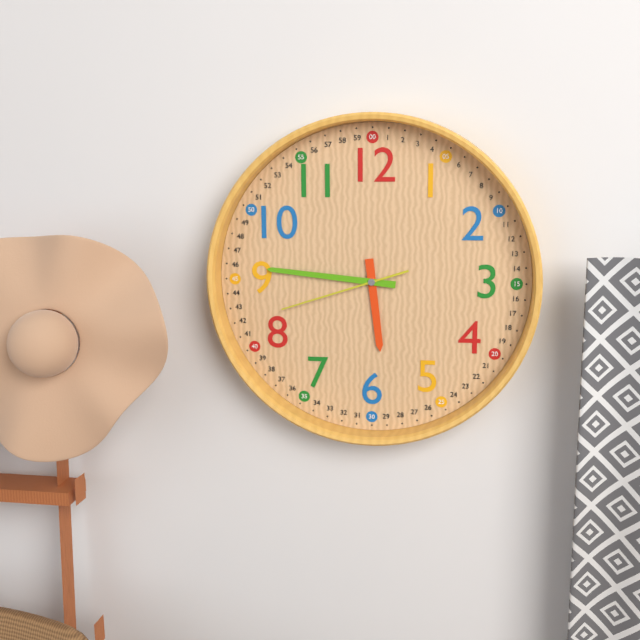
5:46:42
